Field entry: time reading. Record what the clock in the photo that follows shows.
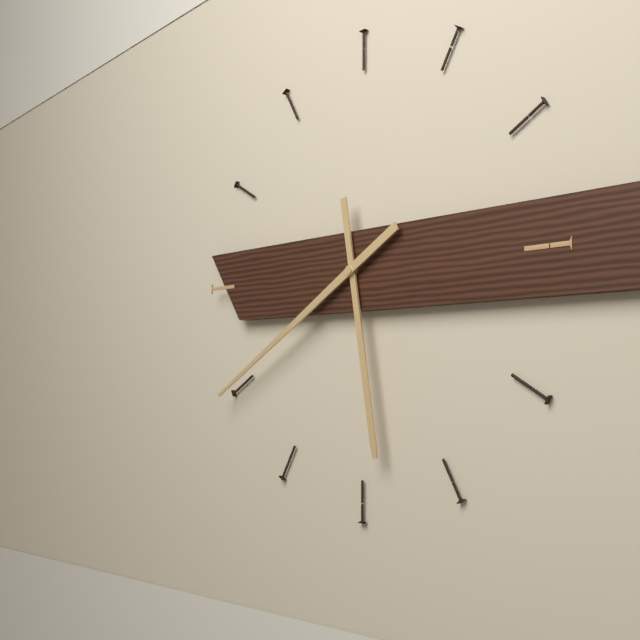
5:40
